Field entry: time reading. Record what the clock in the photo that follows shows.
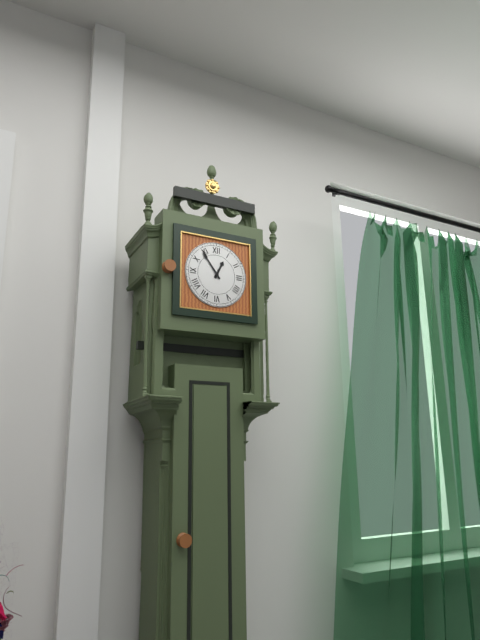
12:54
